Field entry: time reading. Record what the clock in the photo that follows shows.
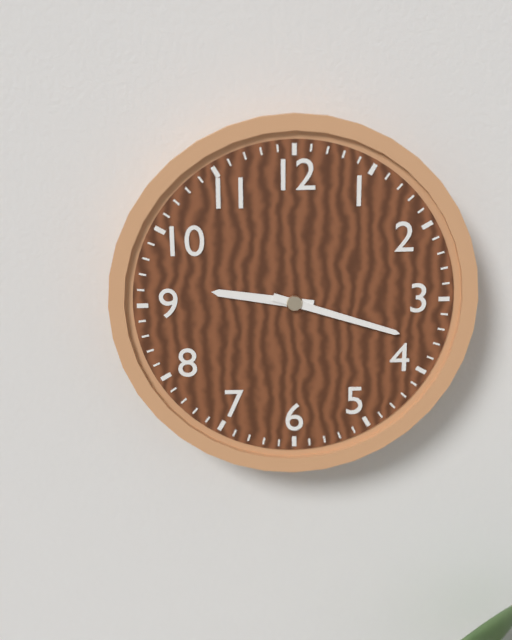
9:18
